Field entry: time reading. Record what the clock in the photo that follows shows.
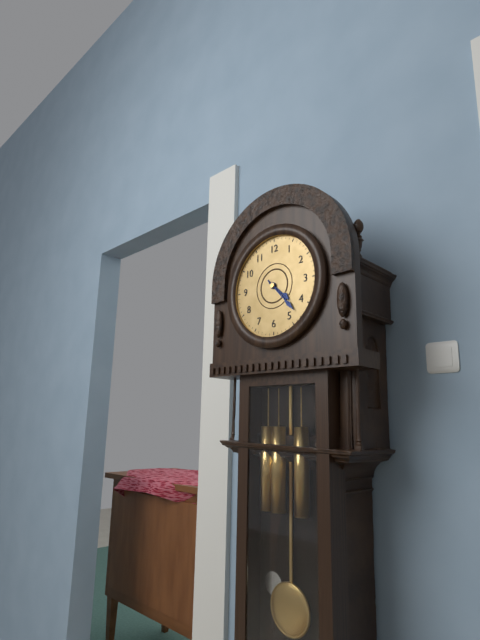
4:23
